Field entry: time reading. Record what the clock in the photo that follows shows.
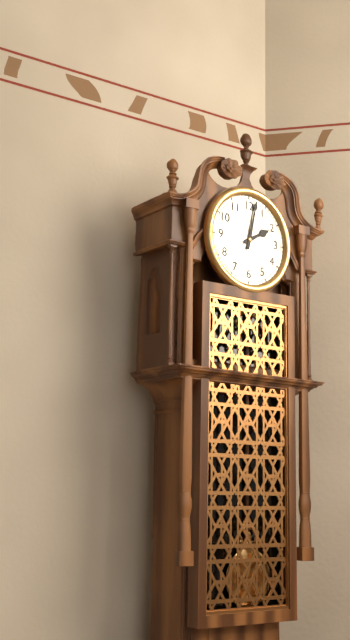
2:02
